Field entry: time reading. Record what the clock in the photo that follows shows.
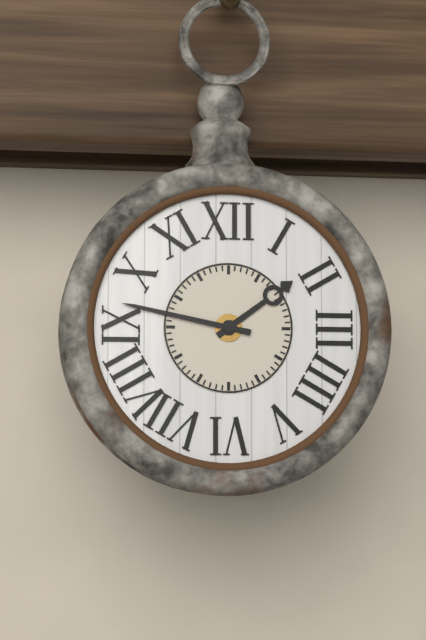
1:47
